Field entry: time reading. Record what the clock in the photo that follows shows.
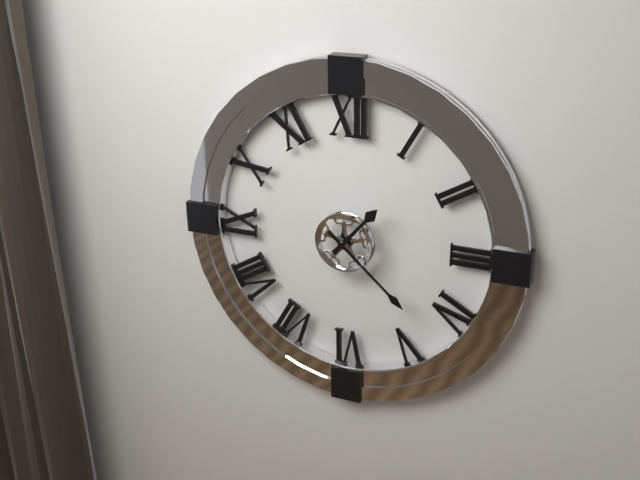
1:22
